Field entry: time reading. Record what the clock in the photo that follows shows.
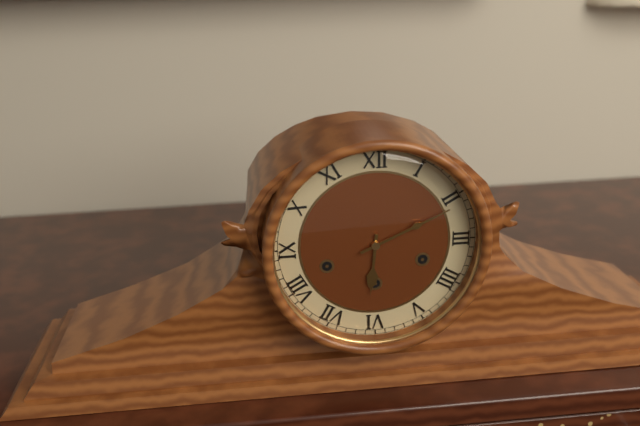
6:11
